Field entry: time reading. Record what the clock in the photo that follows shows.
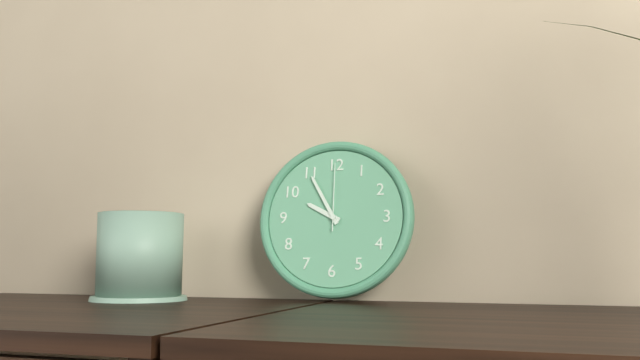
9:55:00
